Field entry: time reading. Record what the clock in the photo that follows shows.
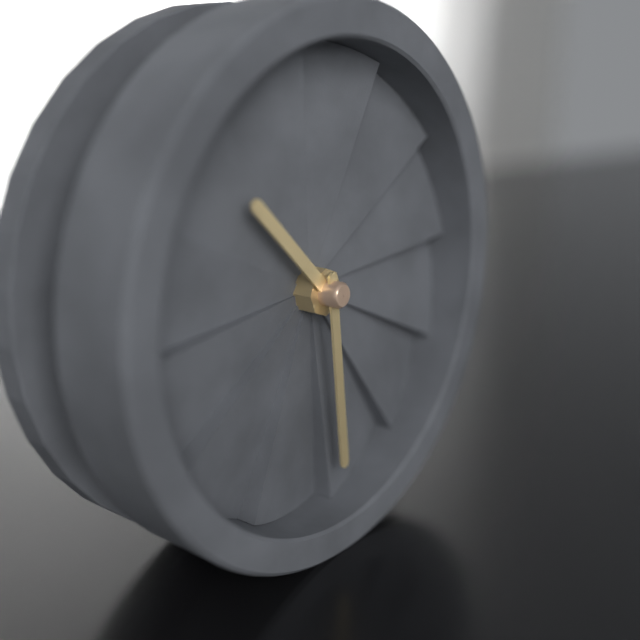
10:29
